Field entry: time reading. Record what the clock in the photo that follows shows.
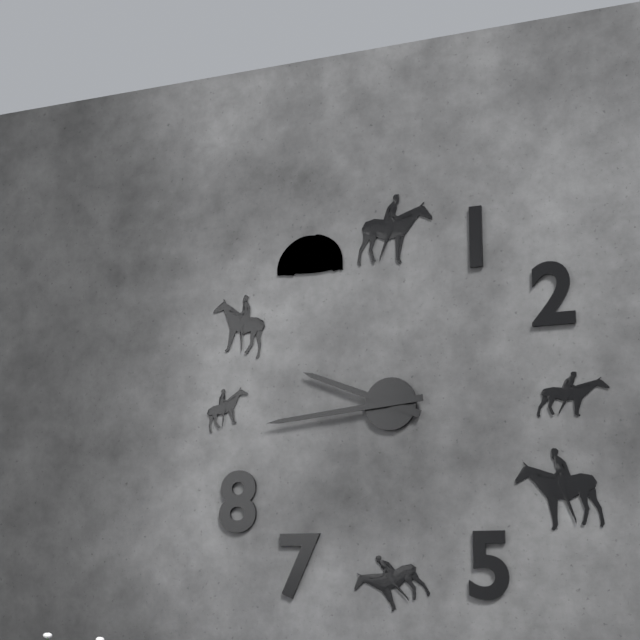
9:44
